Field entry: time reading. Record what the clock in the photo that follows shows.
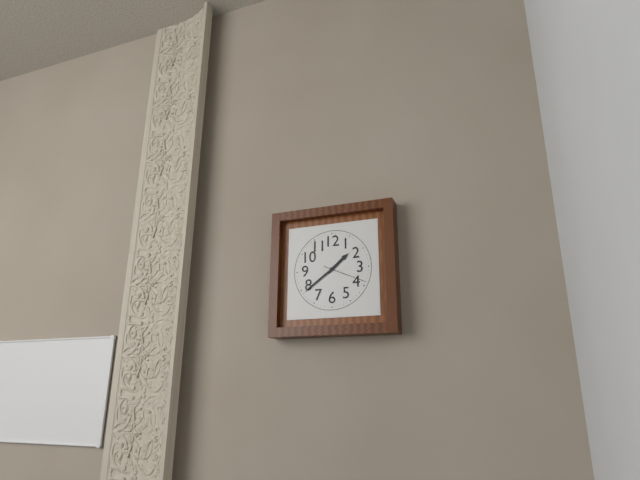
1:39
